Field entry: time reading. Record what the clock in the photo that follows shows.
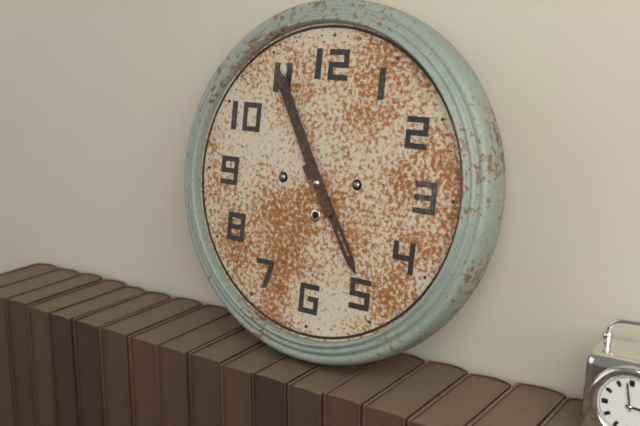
4:55
